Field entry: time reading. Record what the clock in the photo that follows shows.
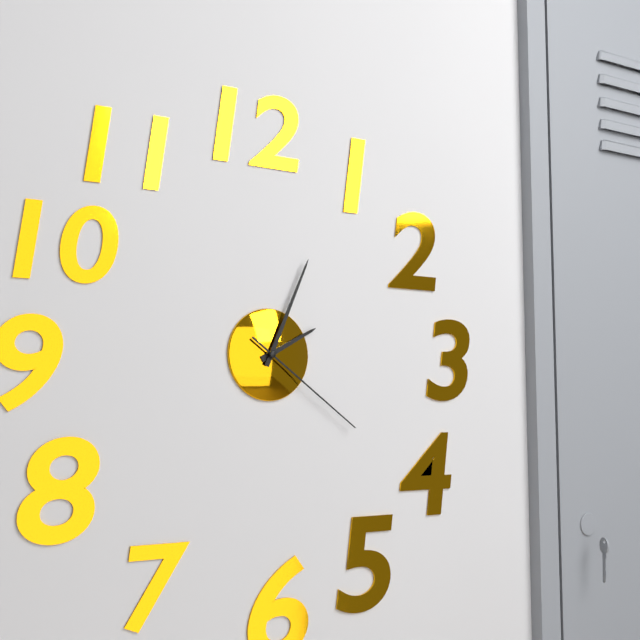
2:04:21
